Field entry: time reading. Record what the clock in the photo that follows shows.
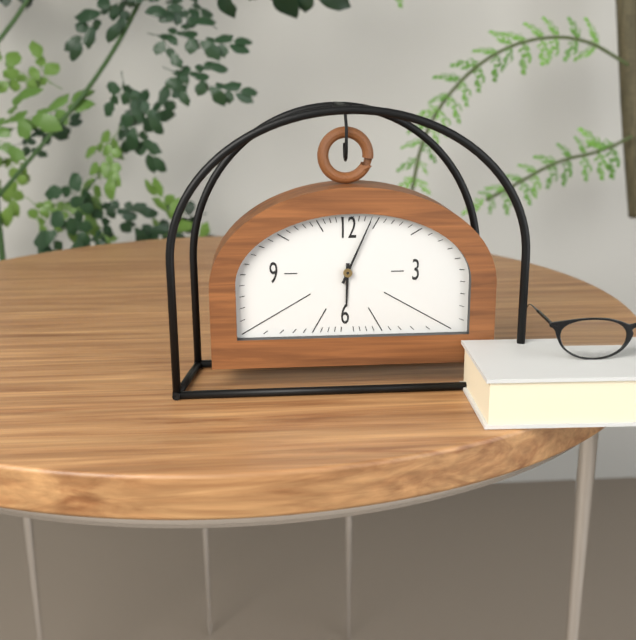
6:04
